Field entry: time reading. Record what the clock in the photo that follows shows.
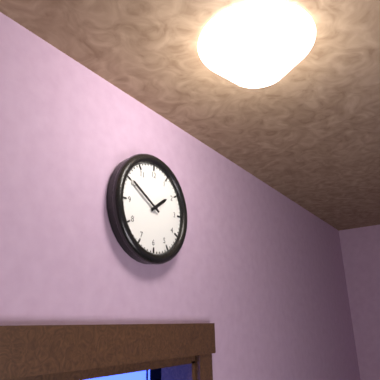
1:50
